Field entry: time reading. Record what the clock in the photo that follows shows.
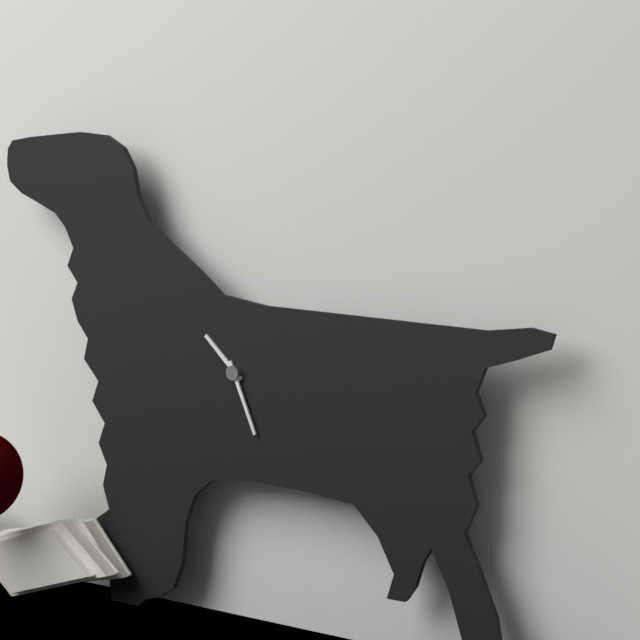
10:26
